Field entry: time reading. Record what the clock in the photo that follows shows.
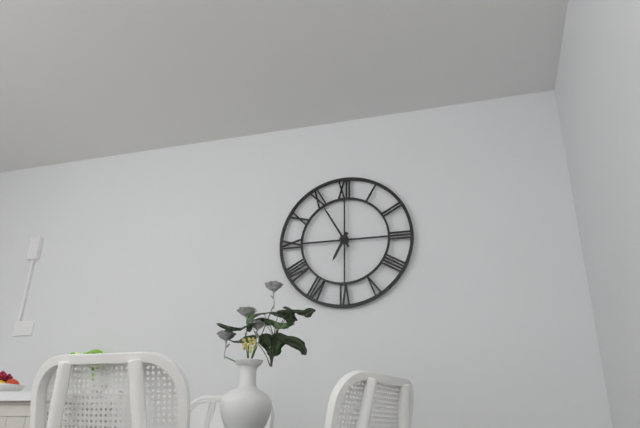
6:55
